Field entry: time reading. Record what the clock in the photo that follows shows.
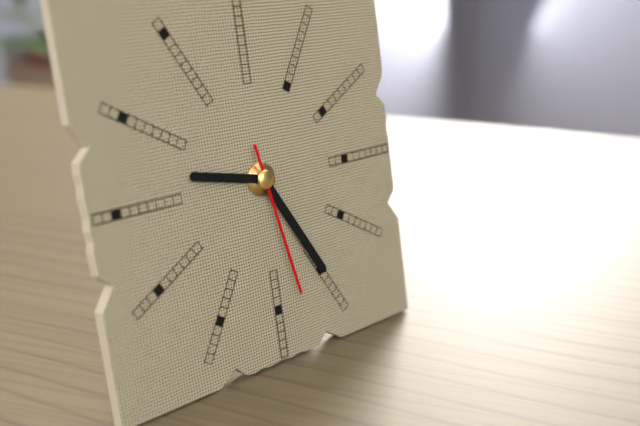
9:25:28
